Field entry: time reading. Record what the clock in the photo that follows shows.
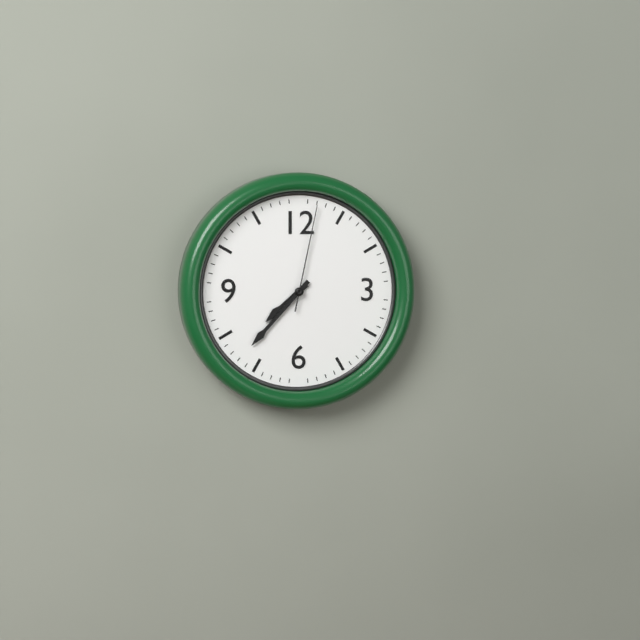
7:37:02
